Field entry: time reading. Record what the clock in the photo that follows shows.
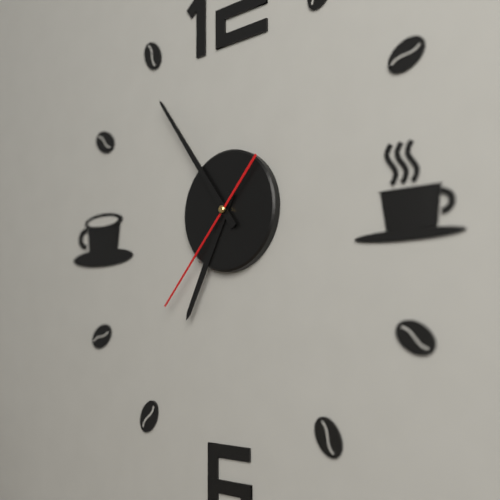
6:54:37
